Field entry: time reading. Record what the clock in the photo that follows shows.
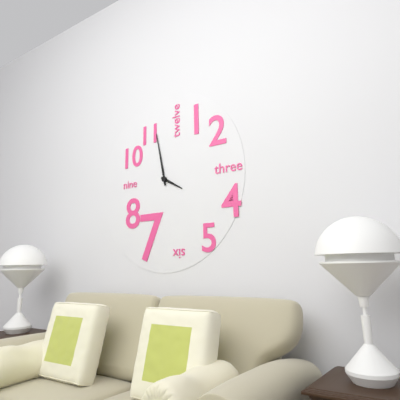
3:58
